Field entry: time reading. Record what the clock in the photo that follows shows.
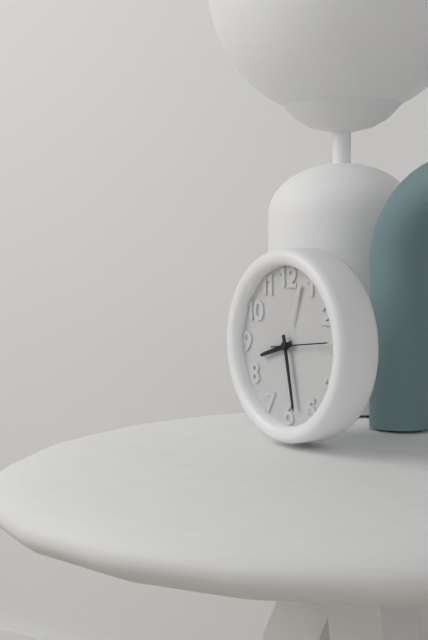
8:28:14
